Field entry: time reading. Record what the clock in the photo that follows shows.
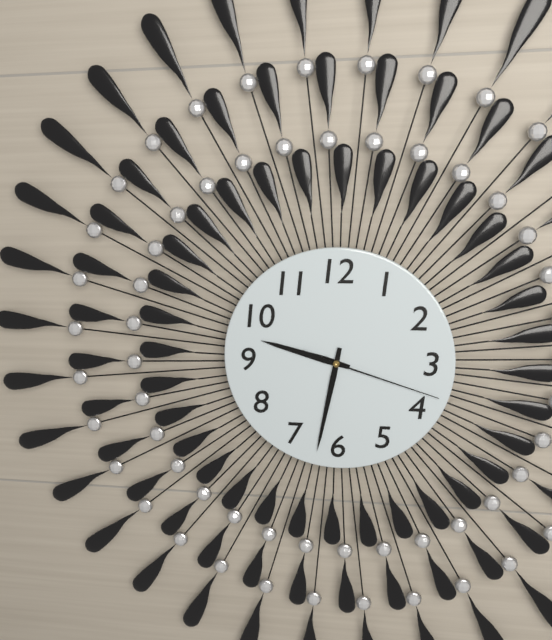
9:32:18
